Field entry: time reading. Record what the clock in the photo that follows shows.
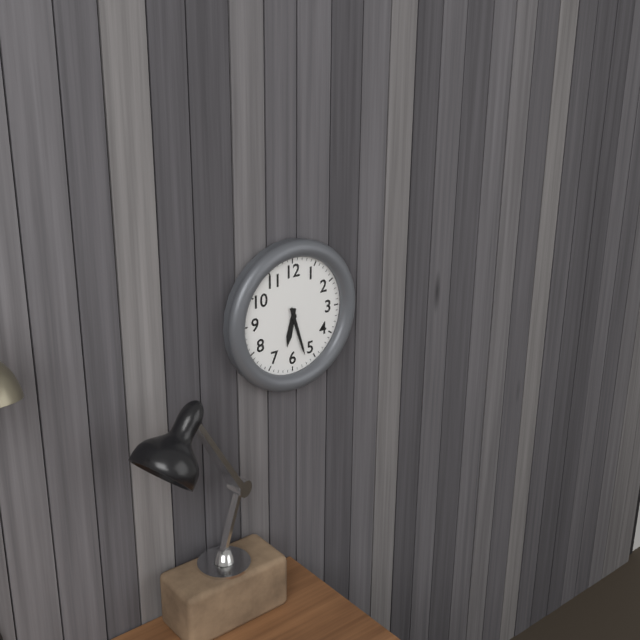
6:27
